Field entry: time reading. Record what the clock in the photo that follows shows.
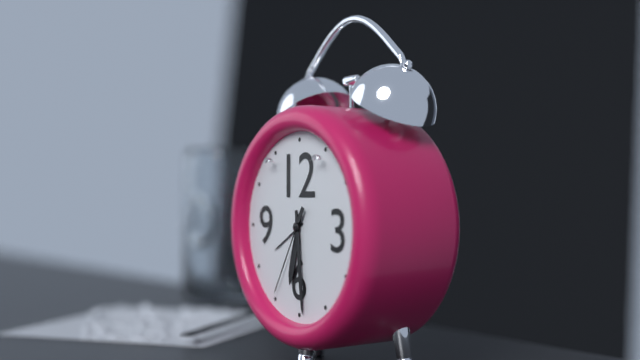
6:29:35
